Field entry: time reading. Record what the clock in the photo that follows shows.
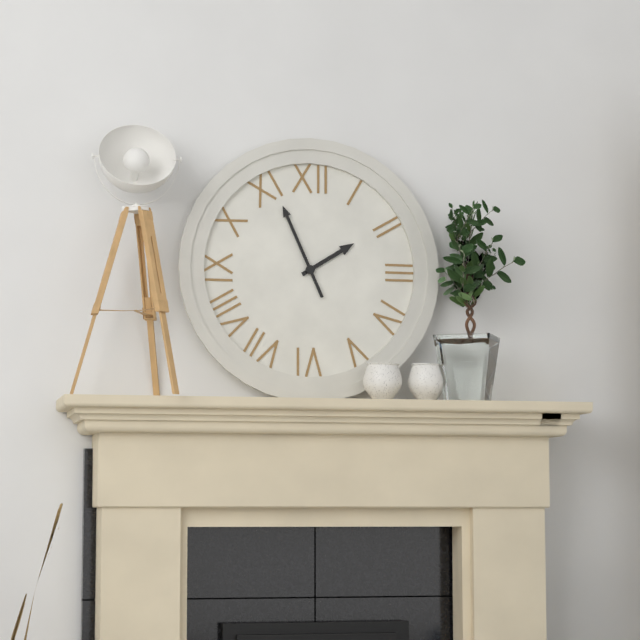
1:56
